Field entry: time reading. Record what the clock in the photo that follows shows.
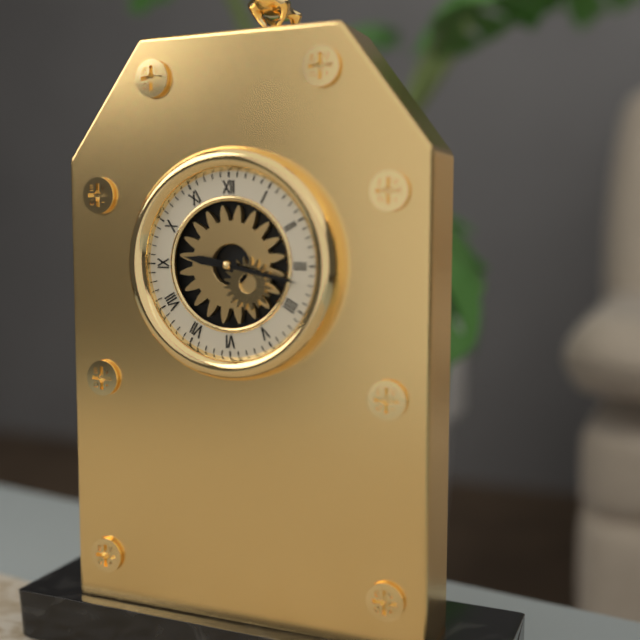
9:17
